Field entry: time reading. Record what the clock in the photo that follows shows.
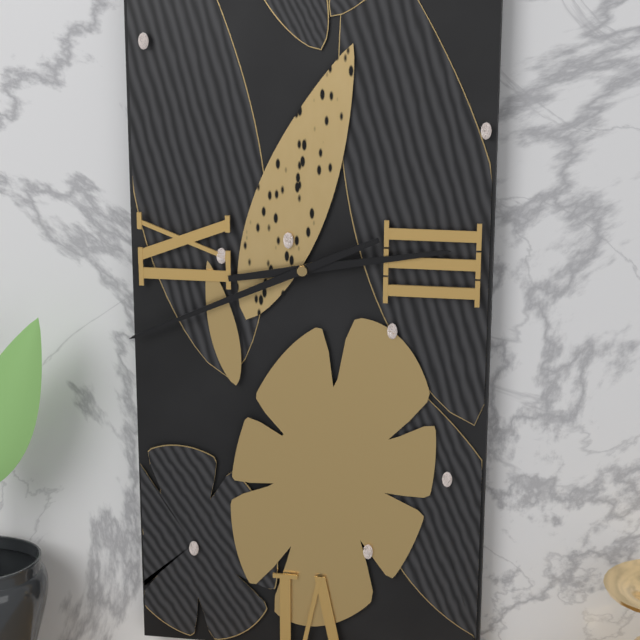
2:41
